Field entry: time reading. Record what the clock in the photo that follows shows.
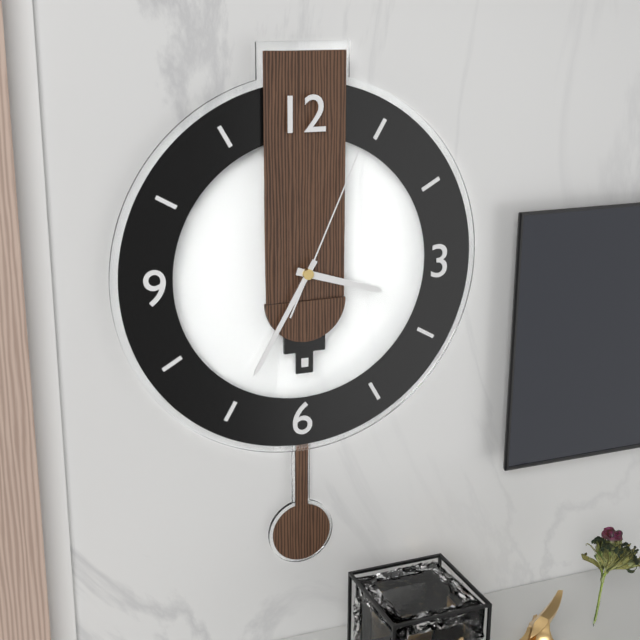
3:35:04
